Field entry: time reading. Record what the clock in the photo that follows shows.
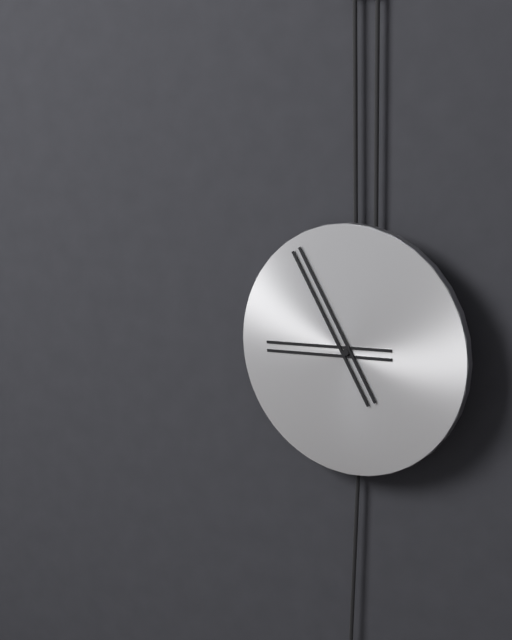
8:55
